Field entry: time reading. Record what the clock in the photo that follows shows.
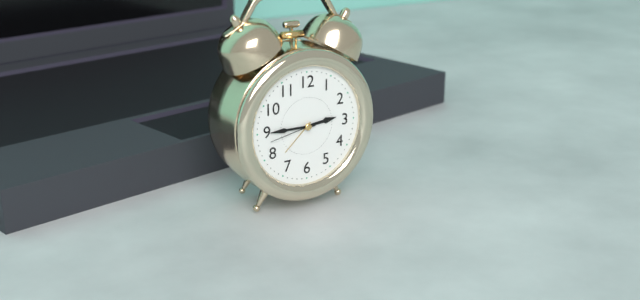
2:45:43
